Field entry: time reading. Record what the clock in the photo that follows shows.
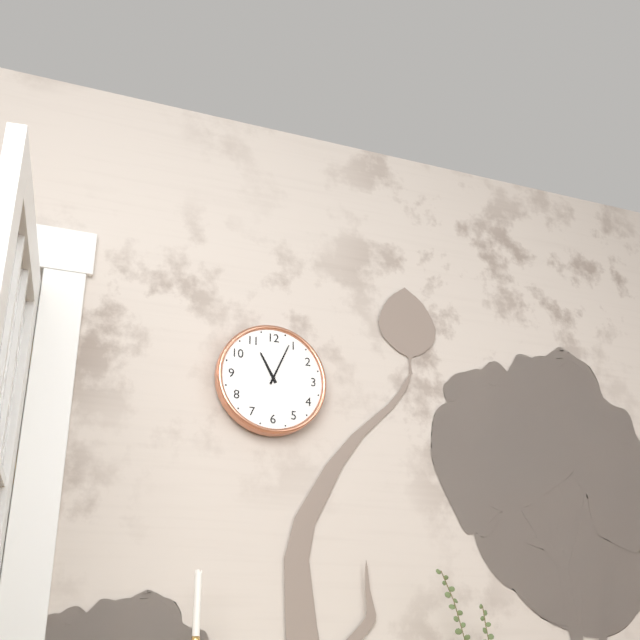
11:04
